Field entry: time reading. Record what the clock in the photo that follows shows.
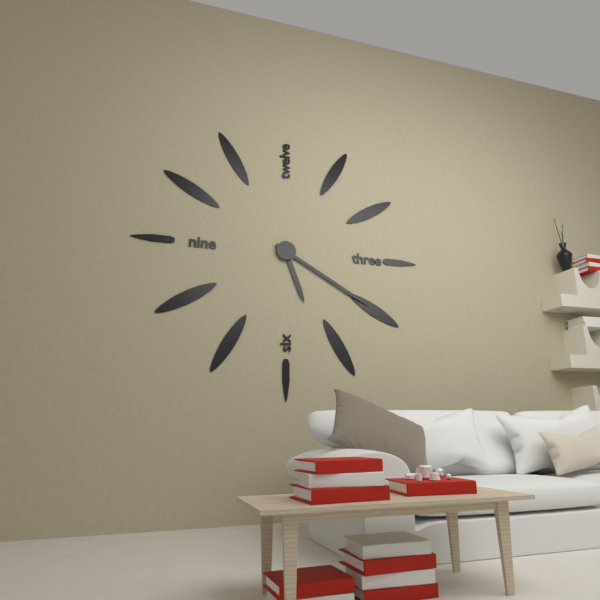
5:20
